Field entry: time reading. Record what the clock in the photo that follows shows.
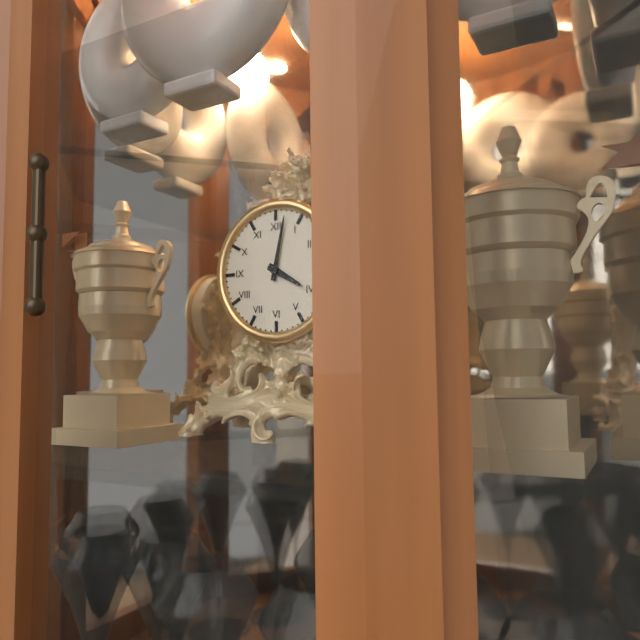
4:02
